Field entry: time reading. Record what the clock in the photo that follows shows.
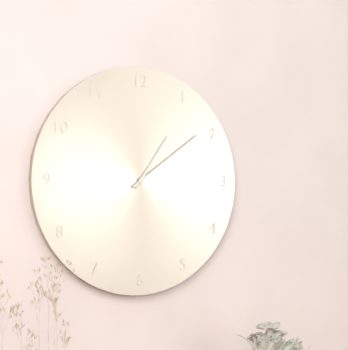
1:09
